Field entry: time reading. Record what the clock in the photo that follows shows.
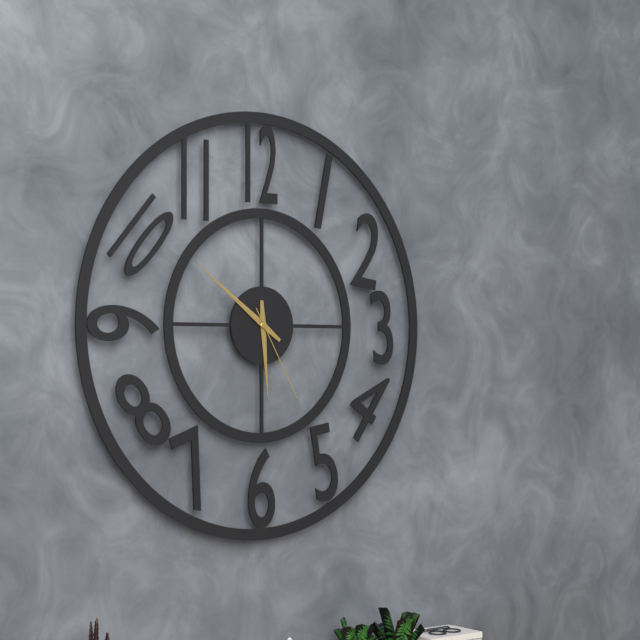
5:51:25
